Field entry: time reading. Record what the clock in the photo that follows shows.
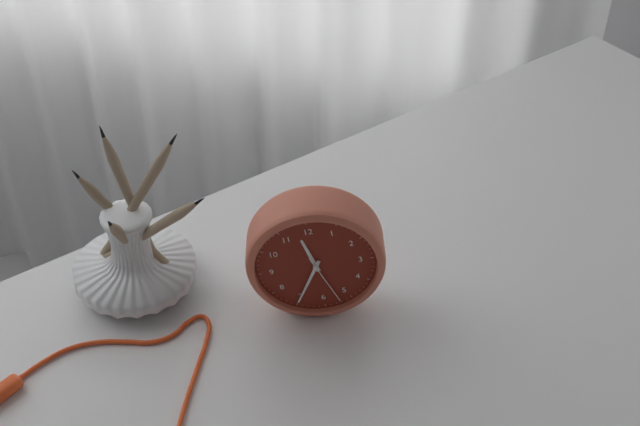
11:35:27
